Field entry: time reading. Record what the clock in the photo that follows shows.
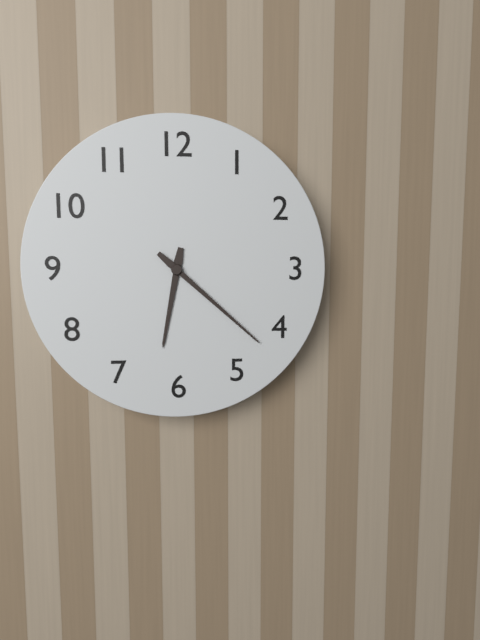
6:22
